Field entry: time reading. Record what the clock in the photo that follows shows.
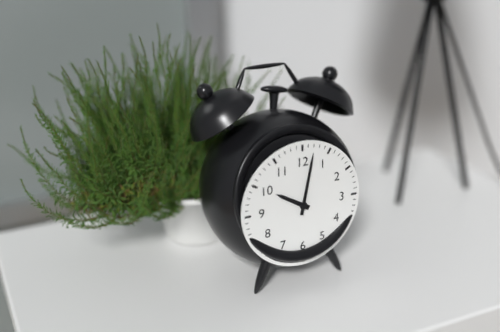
10:02
